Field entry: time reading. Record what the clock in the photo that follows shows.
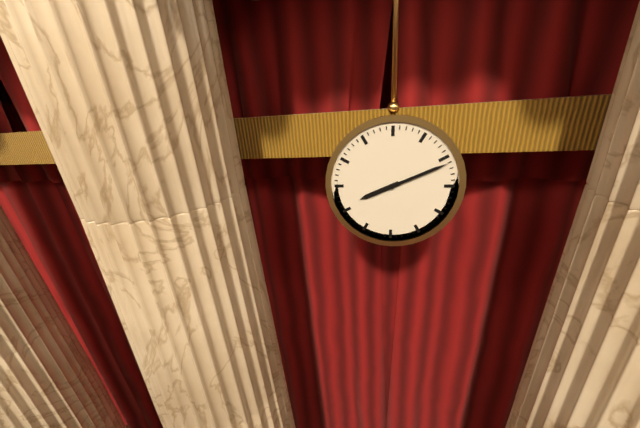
8:11
